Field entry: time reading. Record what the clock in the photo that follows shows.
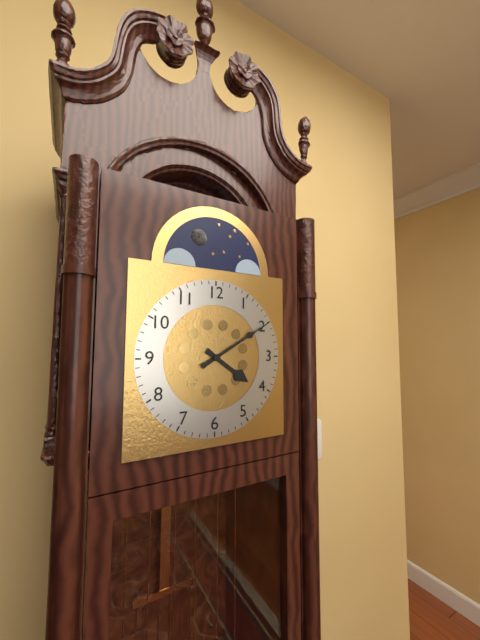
4:10
